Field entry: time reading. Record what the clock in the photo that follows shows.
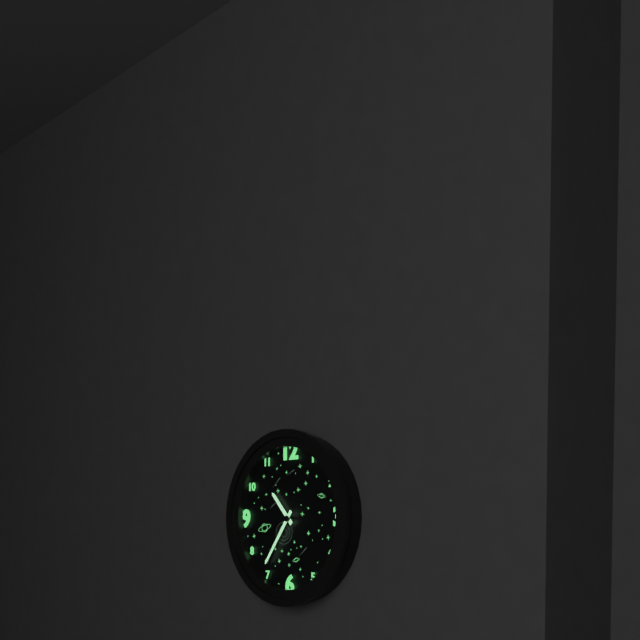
10:36
